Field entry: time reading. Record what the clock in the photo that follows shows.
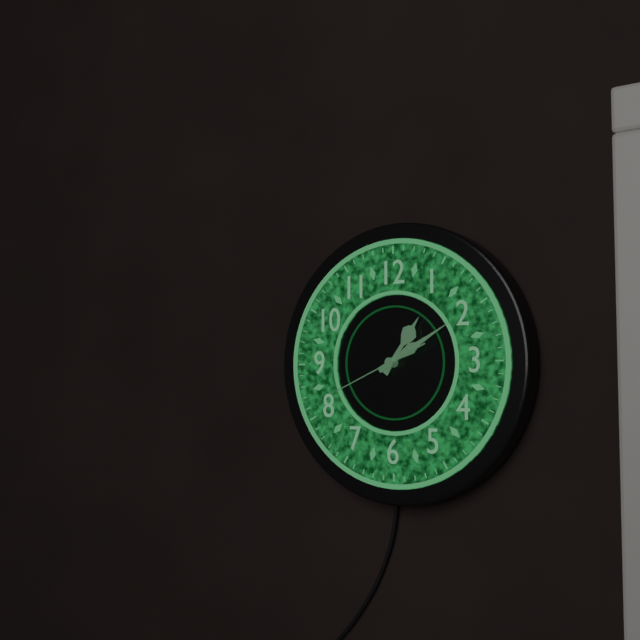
1:10:41
